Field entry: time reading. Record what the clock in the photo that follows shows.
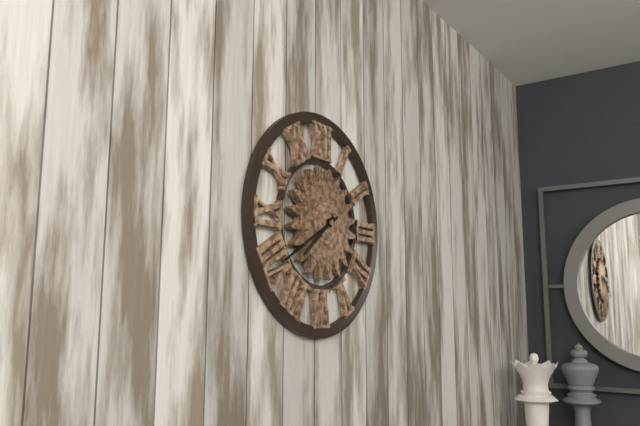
7:40
